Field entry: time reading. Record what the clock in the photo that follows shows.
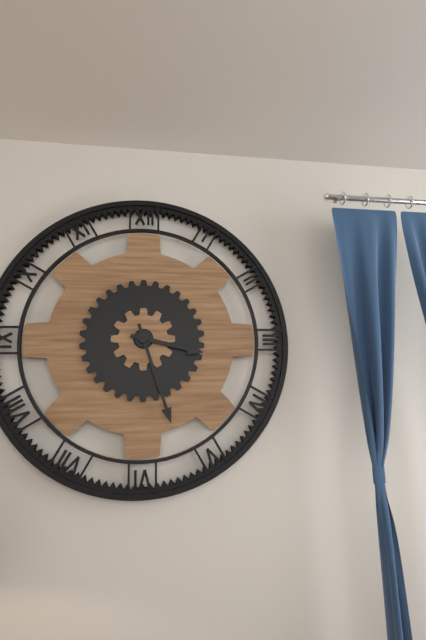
3:27
